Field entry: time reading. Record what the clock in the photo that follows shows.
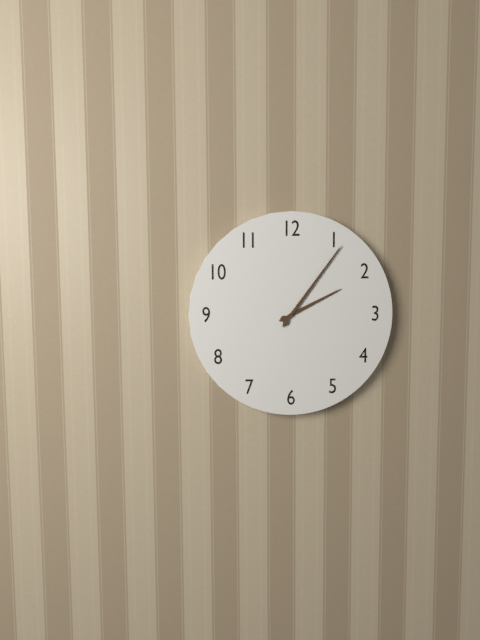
2:06
